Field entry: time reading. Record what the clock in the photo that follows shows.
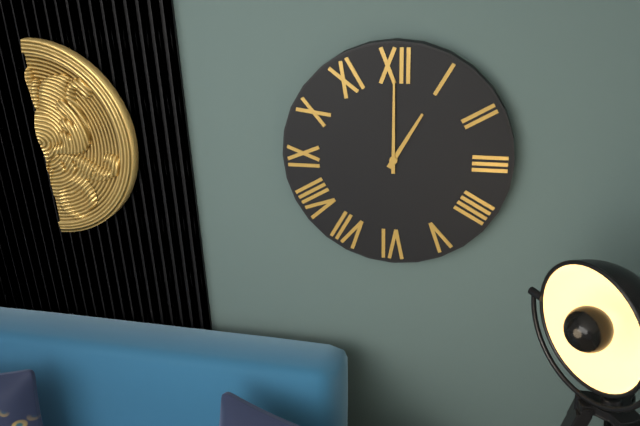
1:00
